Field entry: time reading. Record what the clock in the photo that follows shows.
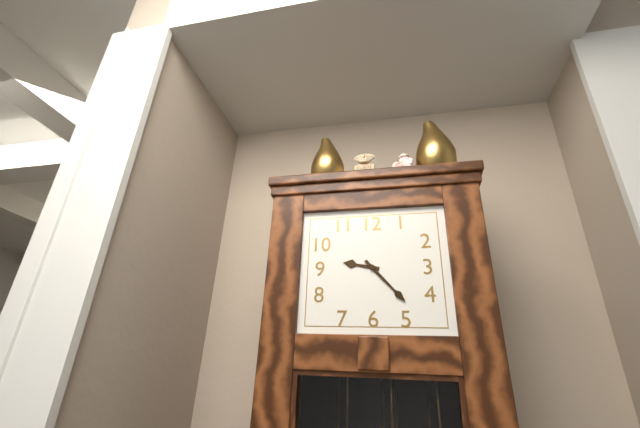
9:23
